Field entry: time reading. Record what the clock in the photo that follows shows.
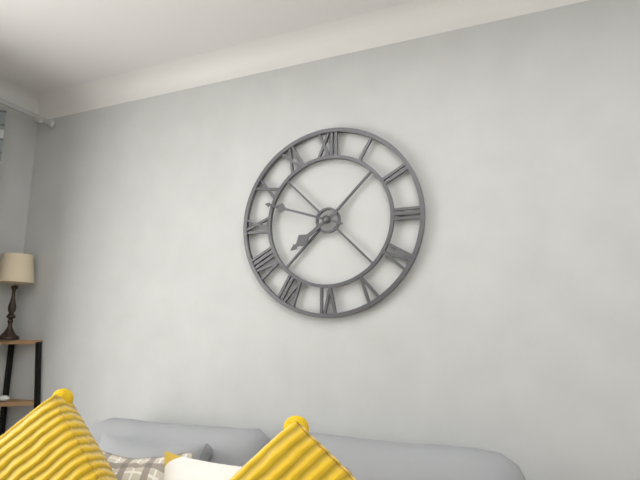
7:48
